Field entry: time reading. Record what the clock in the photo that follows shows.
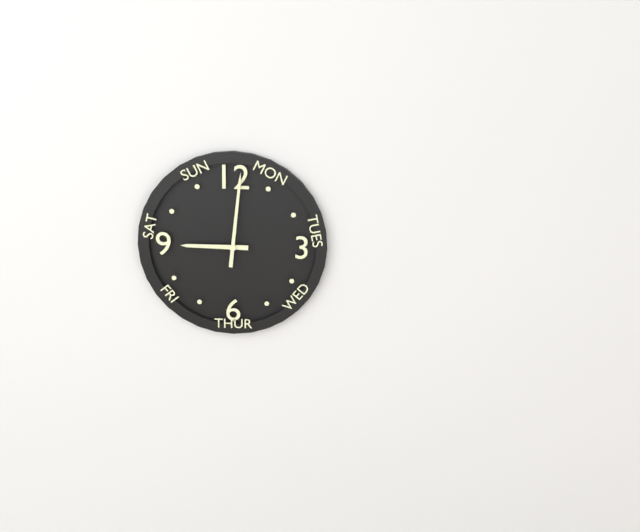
9:01
